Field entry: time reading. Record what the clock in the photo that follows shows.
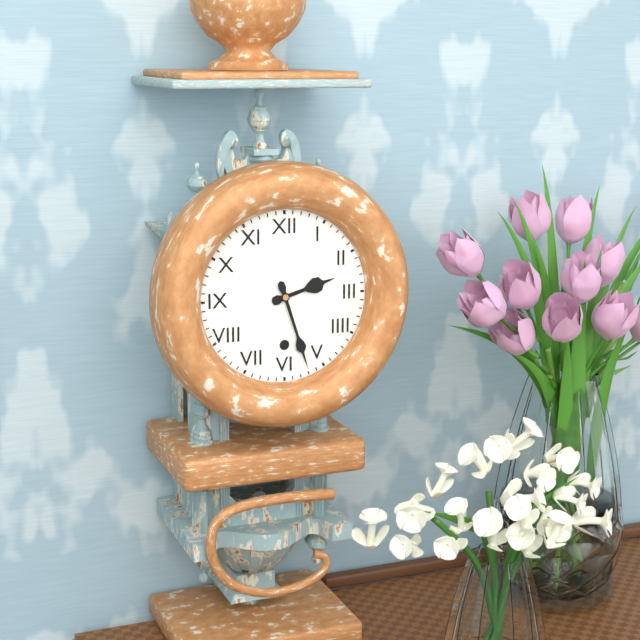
2:27
